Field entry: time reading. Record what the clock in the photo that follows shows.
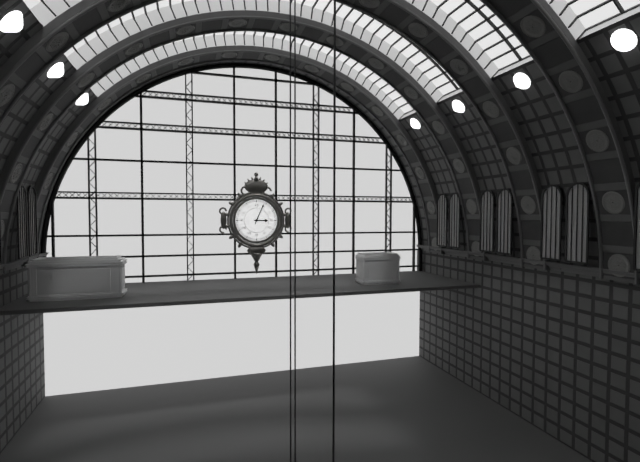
3:04
